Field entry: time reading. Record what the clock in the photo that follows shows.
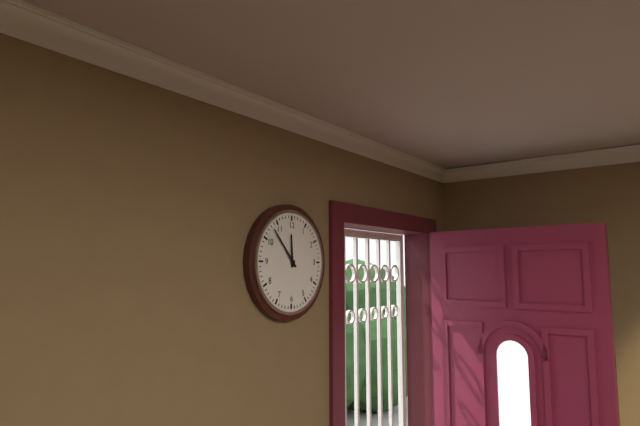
11:53
